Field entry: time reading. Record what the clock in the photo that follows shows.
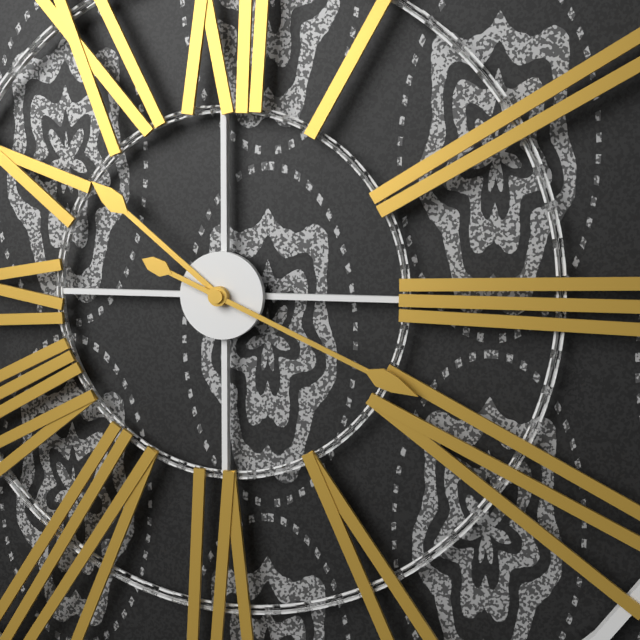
10:19
